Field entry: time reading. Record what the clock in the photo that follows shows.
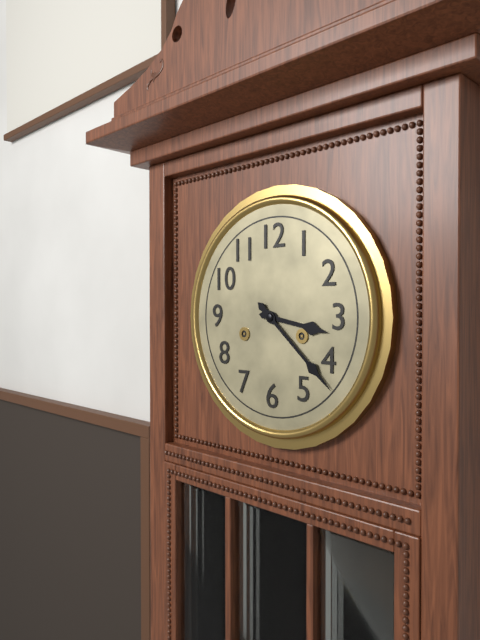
3:22
